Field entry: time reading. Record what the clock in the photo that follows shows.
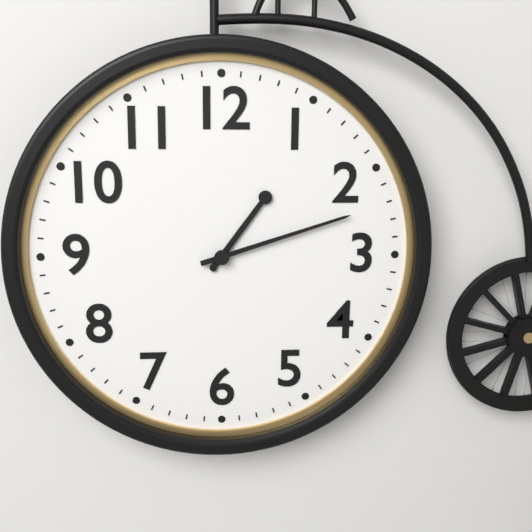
1:12
